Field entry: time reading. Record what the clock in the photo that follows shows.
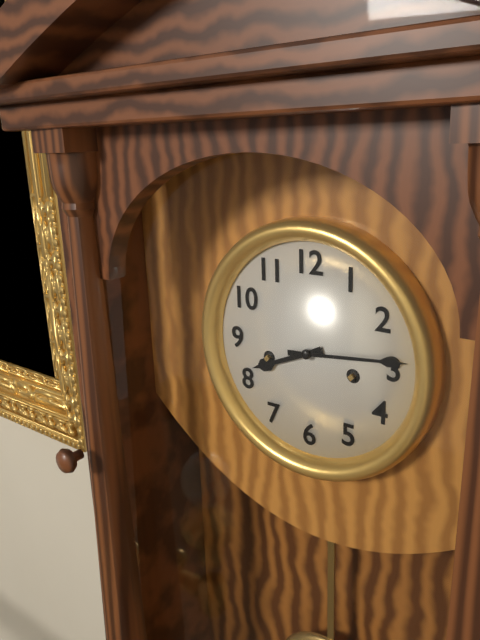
8:14
